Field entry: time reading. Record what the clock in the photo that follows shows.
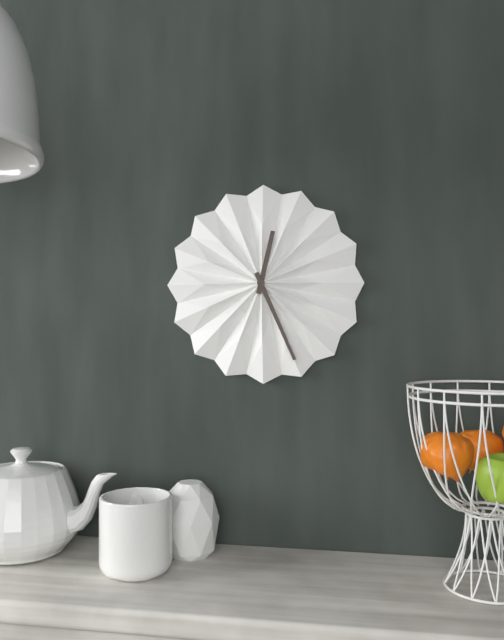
12:26
